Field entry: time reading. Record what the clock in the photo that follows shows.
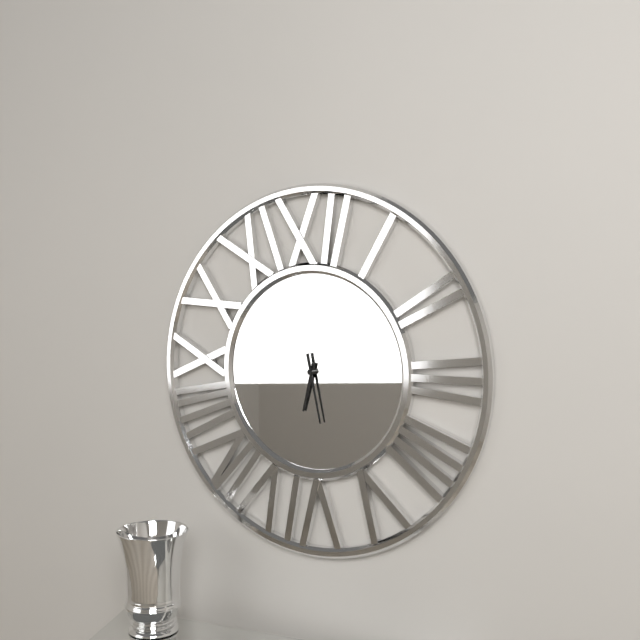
6:28
